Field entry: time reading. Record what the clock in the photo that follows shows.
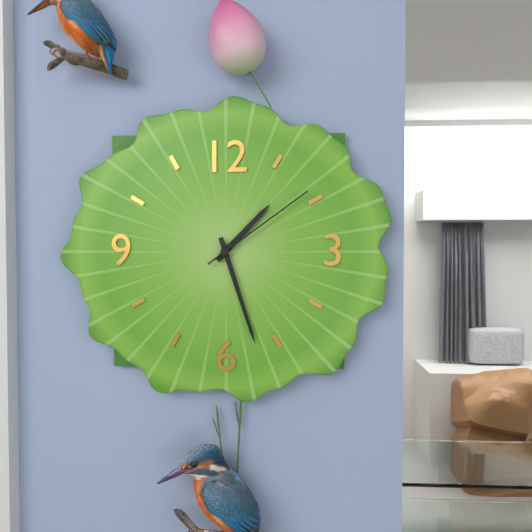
1:27:09
